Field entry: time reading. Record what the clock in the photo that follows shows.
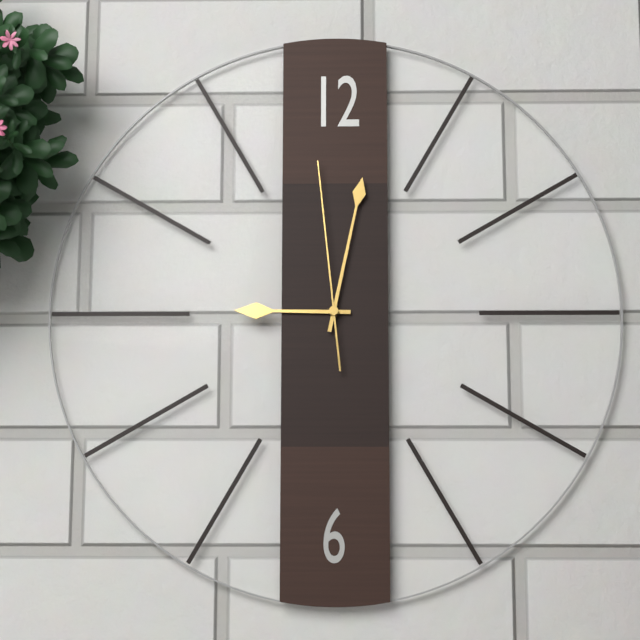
9:02:59
